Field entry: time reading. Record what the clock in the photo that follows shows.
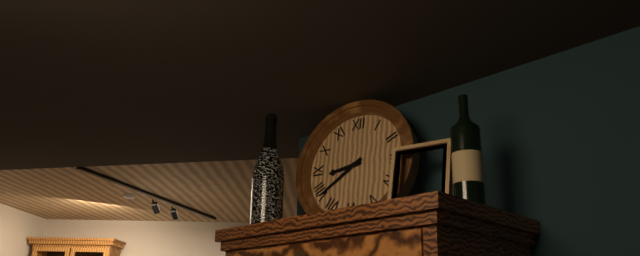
8:39
